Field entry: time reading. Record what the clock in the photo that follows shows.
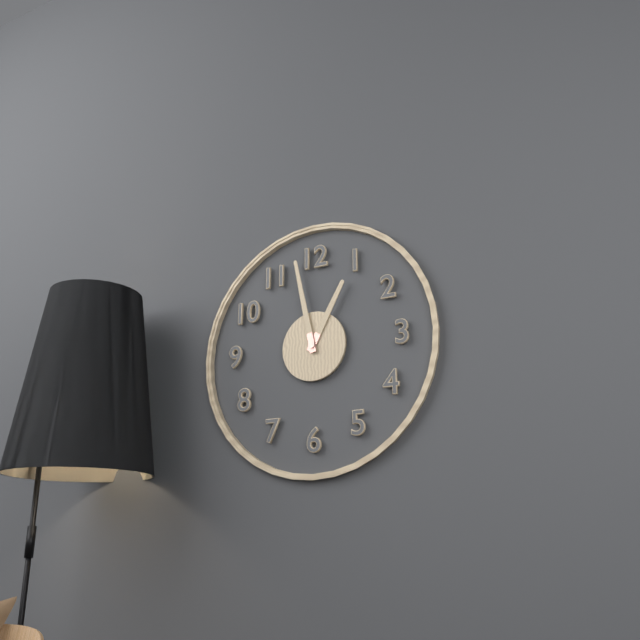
12:58
